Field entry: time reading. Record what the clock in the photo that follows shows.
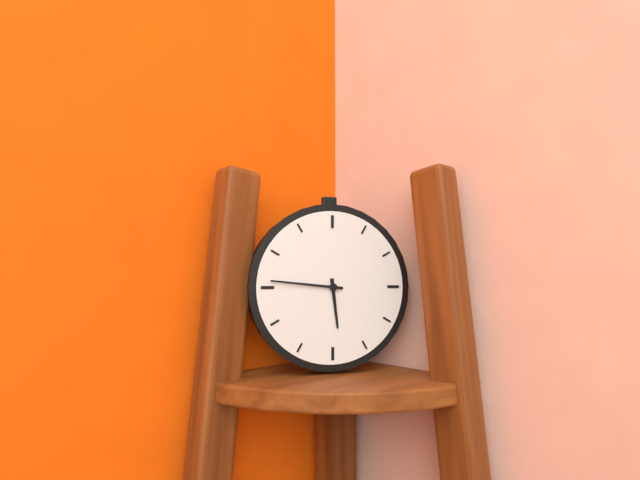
5:46
